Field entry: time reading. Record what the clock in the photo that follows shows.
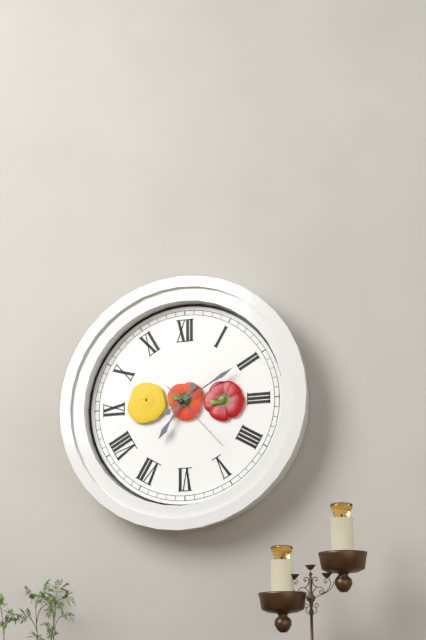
7:10:23
